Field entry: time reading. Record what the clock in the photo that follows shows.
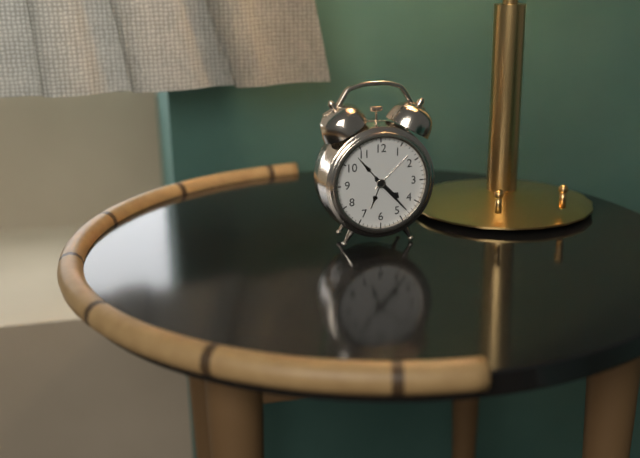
4:23
